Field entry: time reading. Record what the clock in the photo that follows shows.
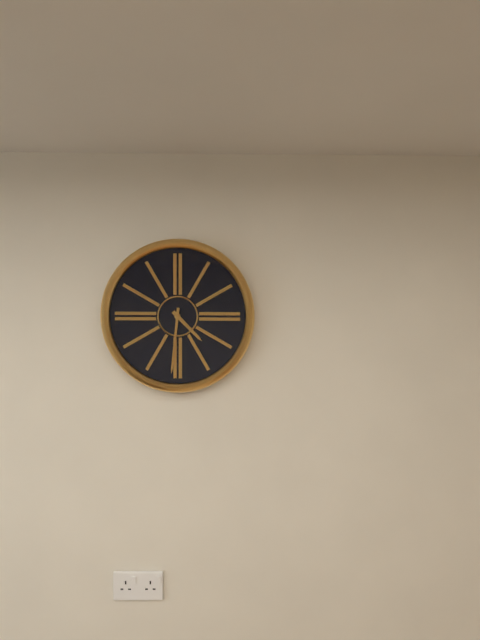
4:31
